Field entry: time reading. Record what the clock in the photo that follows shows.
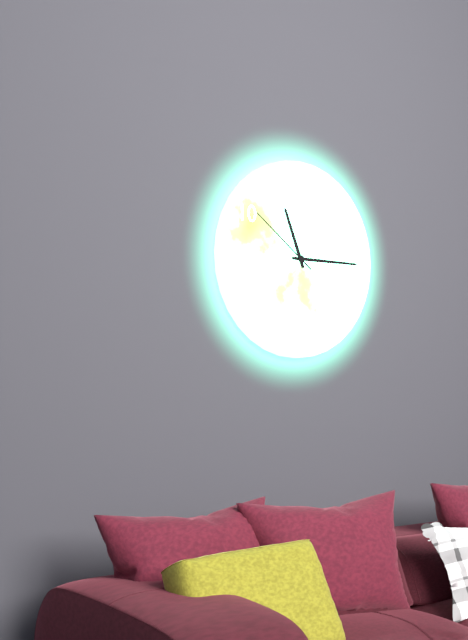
11:15:51
